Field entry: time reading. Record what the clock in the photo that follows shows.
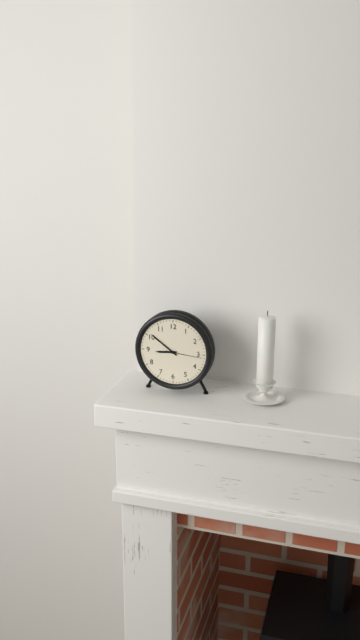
8:51
